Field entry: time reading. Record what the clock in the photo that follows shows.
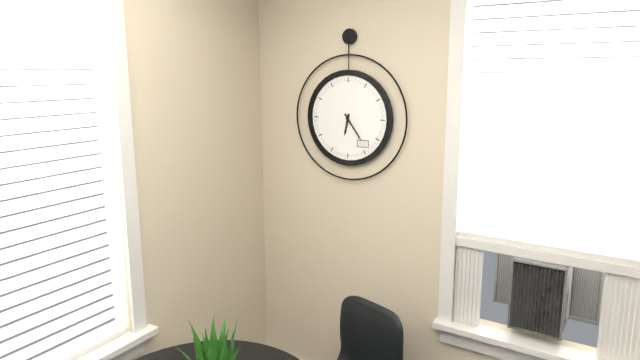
6:24
